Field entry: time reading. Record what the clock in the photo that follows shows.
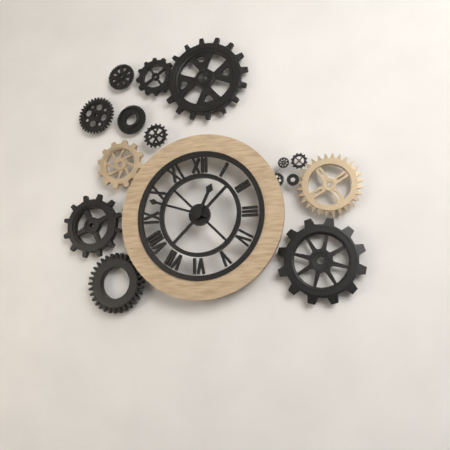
12:48
